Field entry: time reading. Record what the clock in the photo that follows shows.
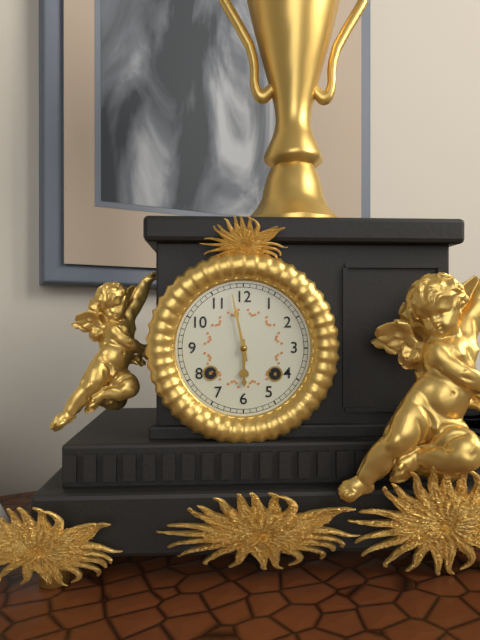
5:58
